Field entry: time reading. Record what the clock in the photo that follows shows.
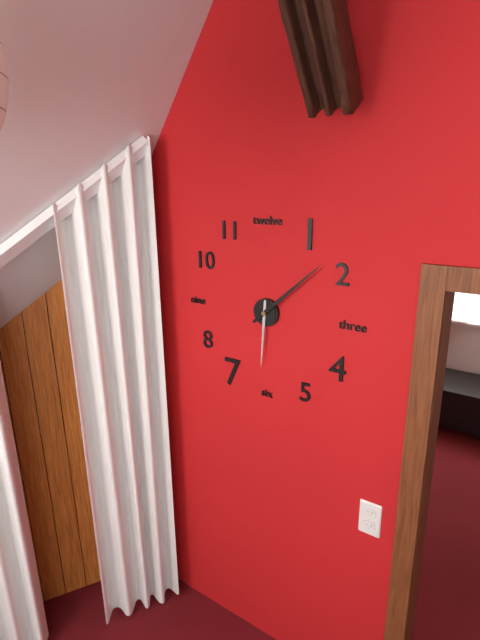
6:08
